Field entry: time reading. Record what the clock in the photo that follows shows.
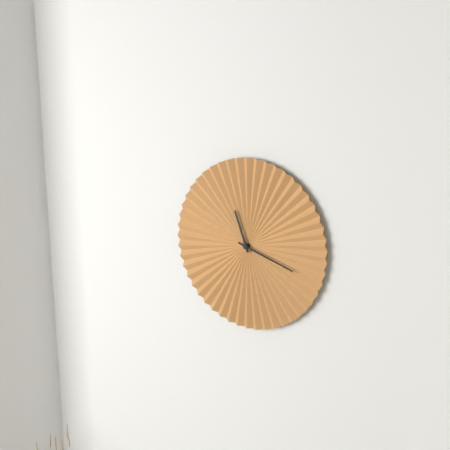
11:18
